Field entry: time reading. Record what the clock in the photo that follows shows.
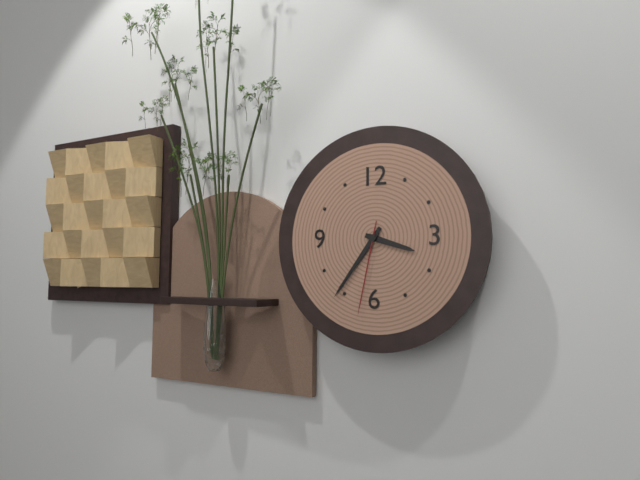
3:36:32
